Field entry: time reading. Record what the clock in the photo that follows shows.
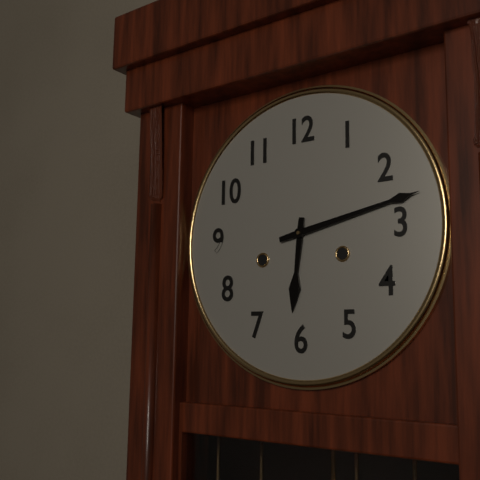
6:13
